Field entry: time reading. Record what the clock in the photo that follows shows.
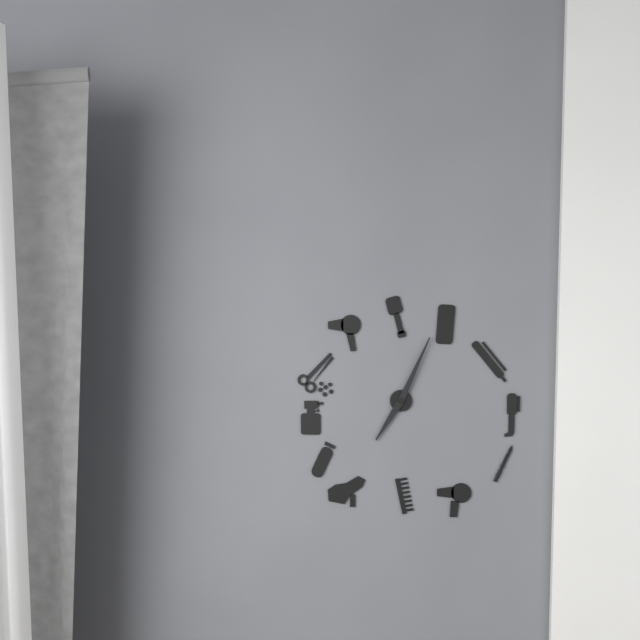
7:04
